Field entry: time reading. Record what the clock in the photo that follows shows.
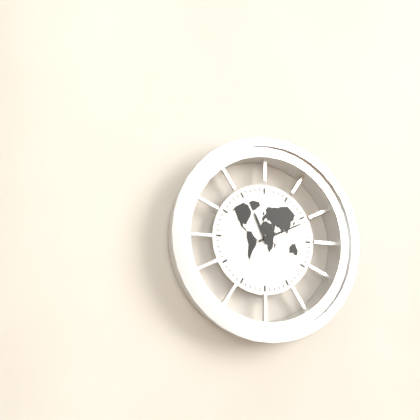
11:11
